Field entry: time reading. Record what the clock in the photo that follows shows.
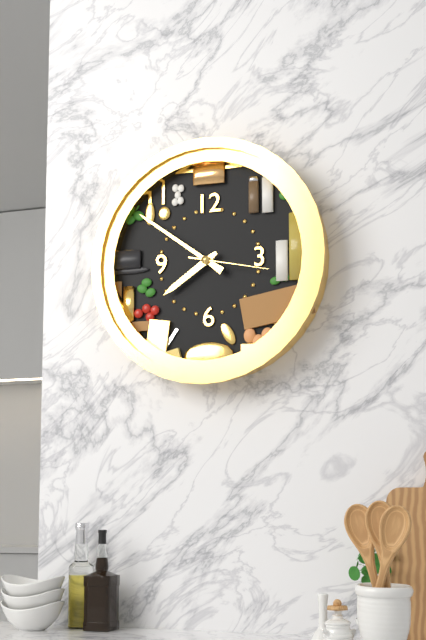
7:51:17
